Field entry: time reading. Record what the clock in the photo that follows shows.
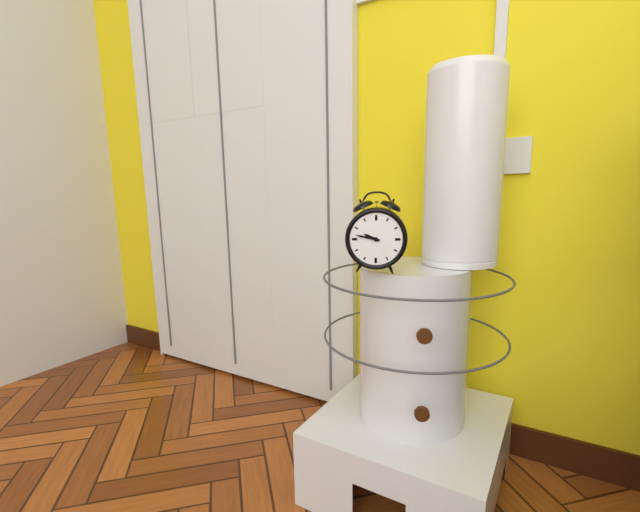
9:47
